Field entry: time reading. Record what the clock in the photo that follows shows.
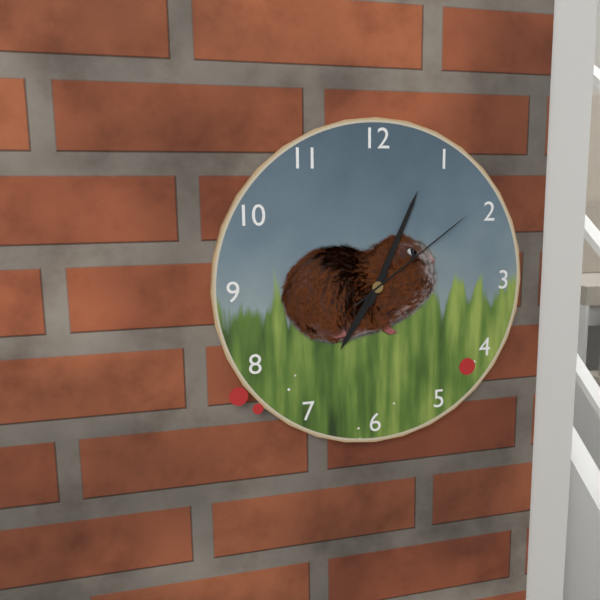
7:04:09
